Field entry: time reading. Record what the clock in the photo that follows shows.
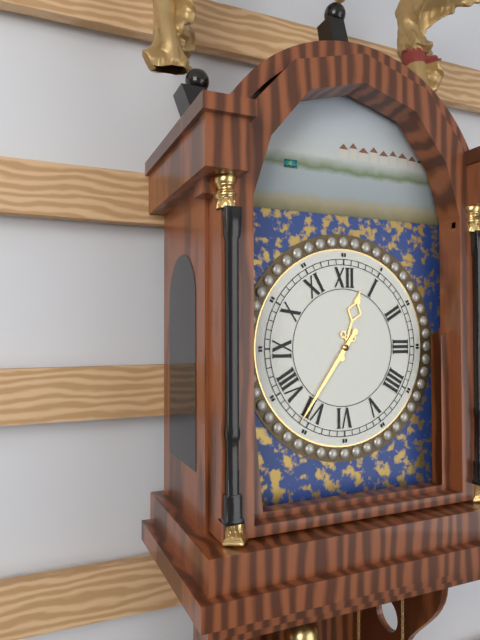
12:36
